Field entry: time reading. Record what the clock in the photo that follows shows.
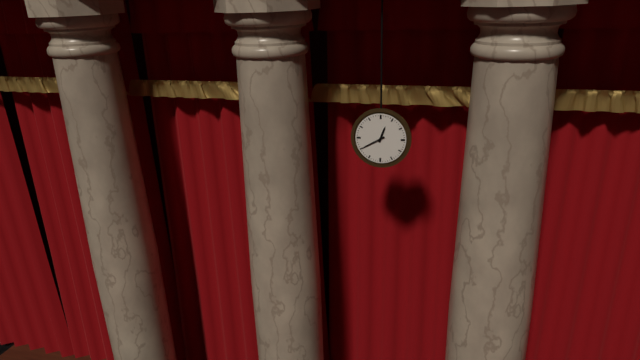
12:40
